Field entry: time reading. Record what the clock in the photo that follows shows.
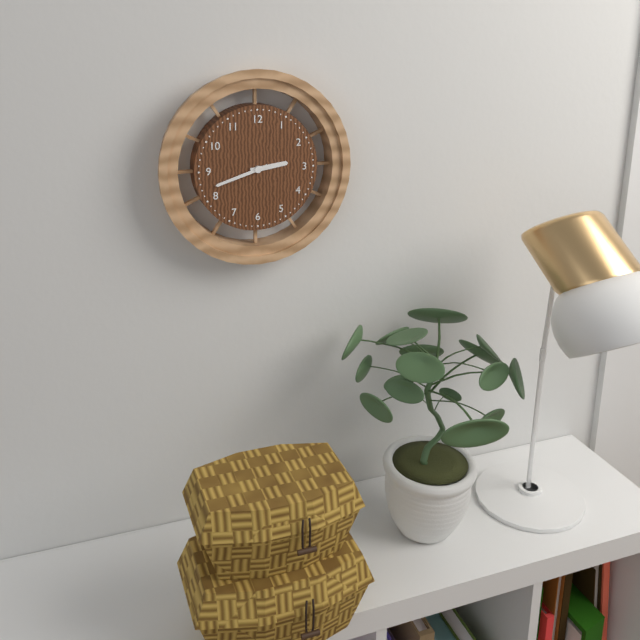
2:42
